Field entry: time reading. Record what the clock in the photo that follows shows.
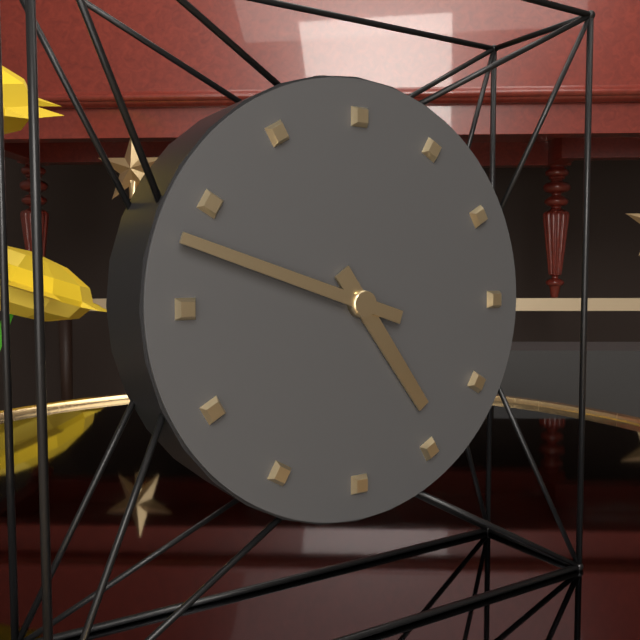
4:48
